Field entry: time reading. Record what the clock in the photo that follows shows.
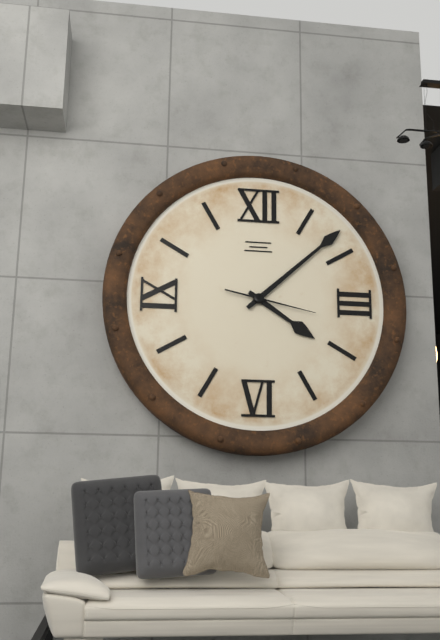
4:08:17
